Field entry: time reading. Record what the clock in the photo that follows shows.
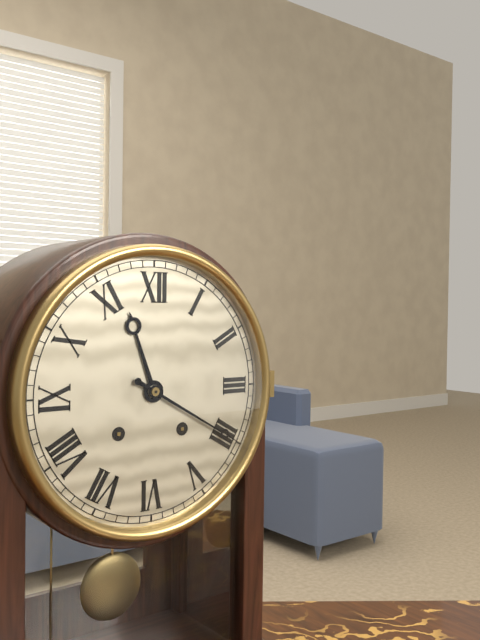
11:20
